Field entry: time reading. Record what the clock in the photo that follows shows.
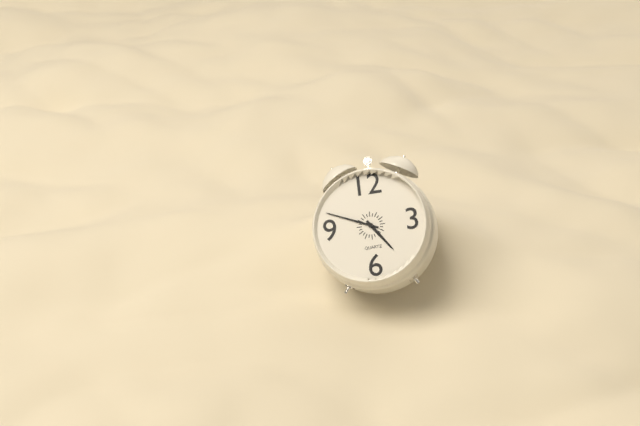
4:49
